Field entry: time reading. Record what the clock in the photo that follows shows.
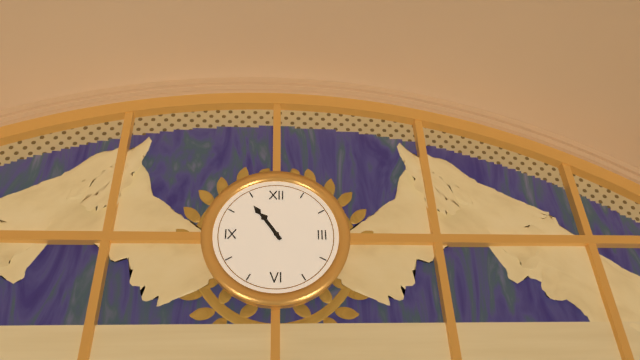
10:54
